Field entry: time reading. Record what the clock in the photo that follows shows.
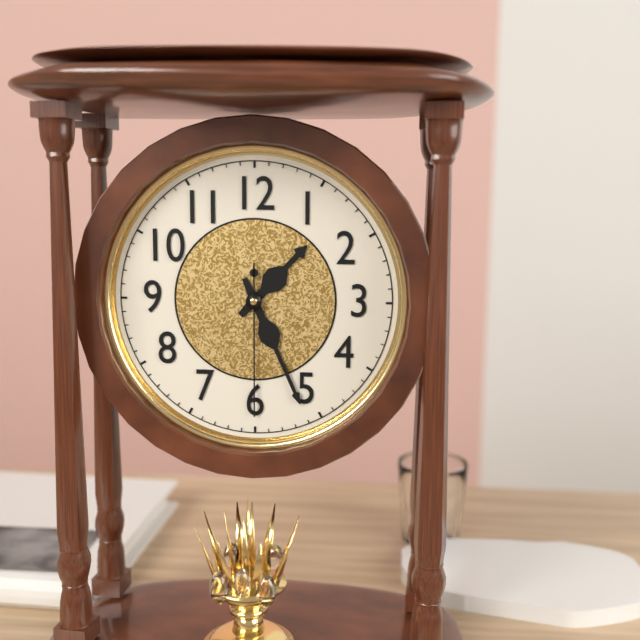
1:26:30
